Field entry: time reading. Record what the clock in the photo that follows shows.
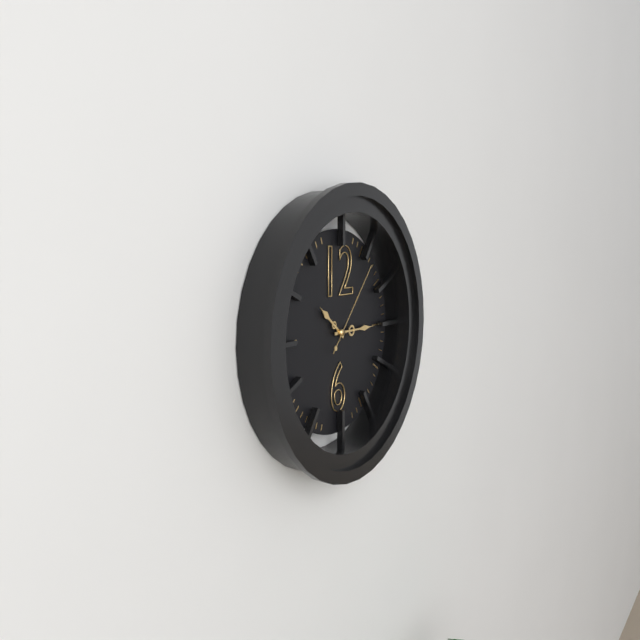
10:15:07
